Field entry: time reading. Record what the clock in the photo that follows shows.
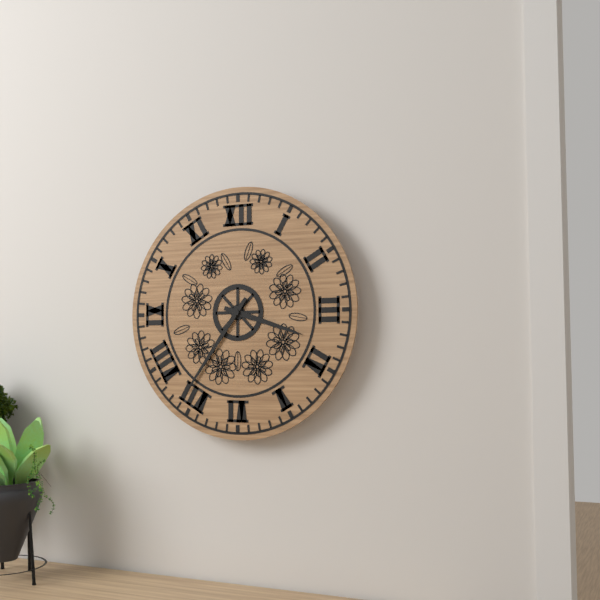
3:36
